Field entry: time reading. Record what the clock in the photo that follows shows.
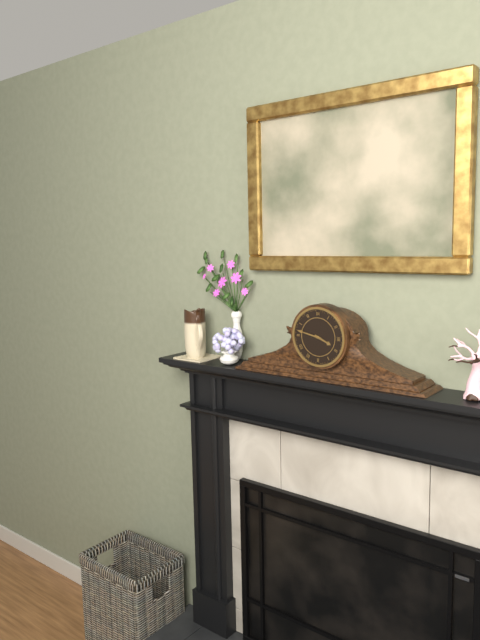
3:47
